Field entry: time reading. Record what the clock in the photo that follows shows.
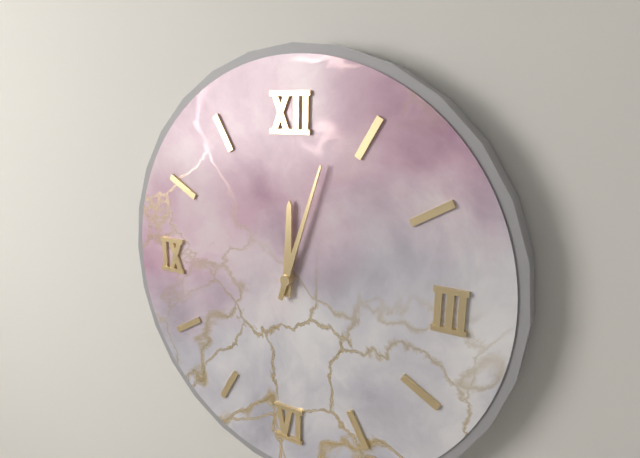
12:03
